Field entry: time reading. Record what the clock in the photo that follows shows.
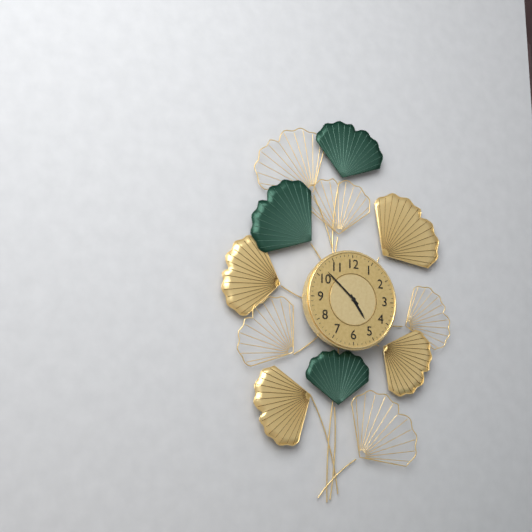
4:52
